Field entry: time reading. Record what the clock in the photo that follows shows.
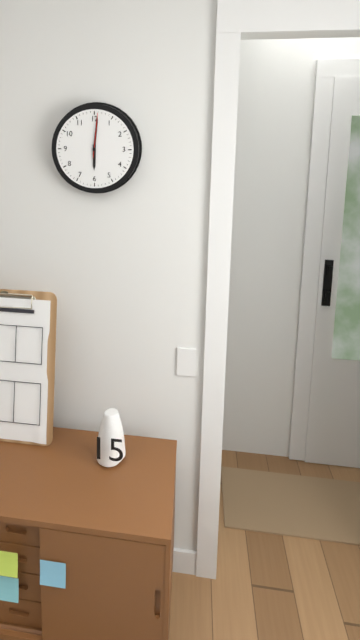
6:01
